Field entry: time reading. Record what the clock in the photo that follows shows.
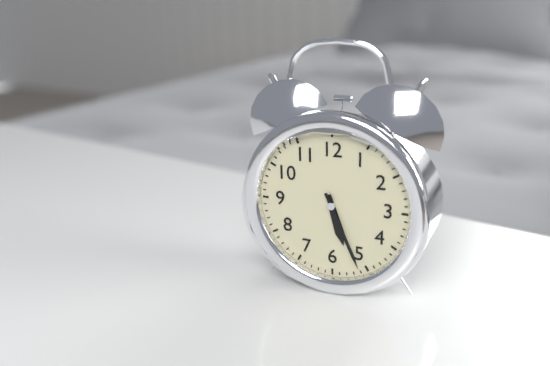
5:26
